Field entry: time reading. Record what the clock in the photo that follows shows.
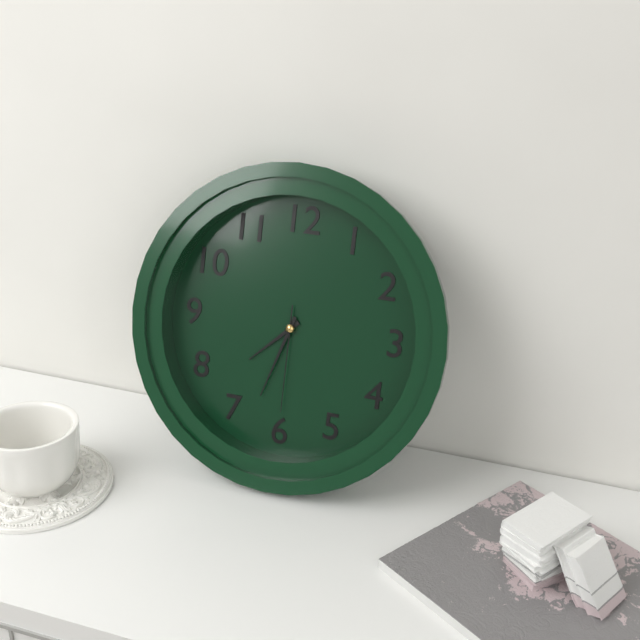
7:33:30
